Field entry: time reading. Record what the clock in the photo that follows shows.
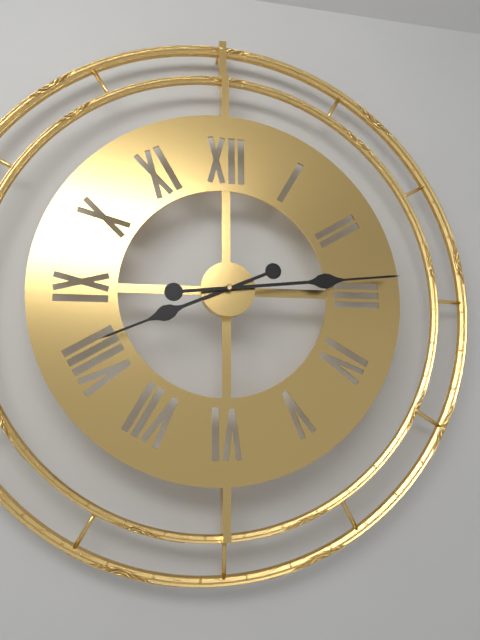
8:14
